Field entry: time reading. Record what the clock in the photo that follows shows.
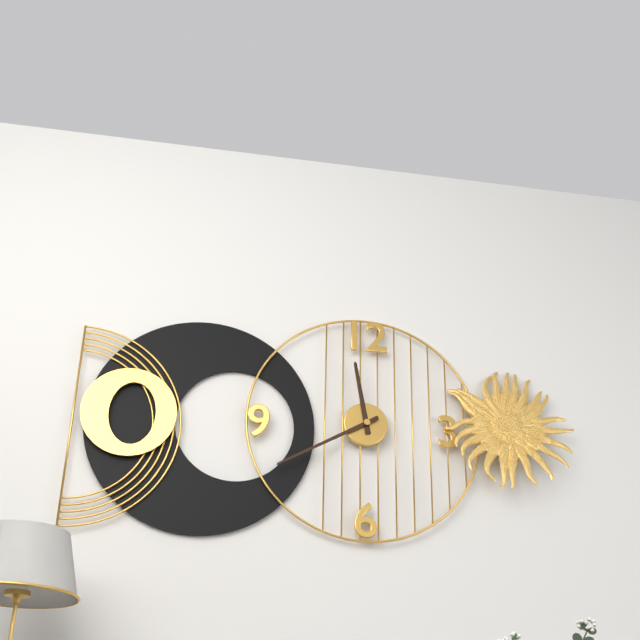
11:40
